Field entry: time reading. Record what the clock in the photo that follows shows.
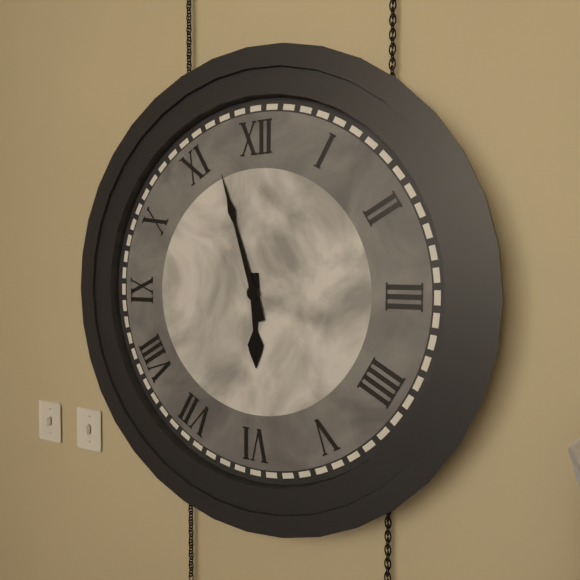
5:57
